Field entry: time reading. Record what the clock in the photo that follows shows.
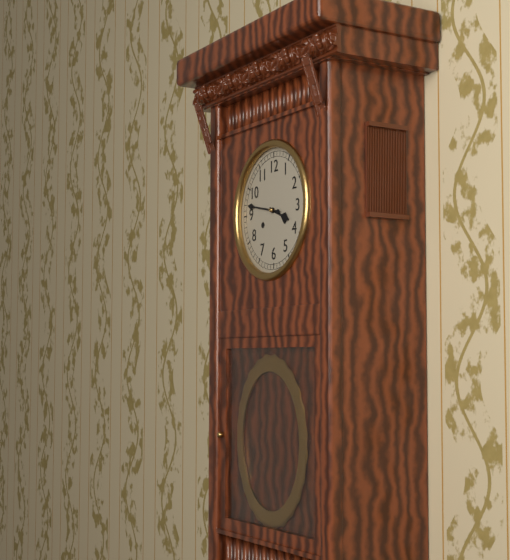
3:47
